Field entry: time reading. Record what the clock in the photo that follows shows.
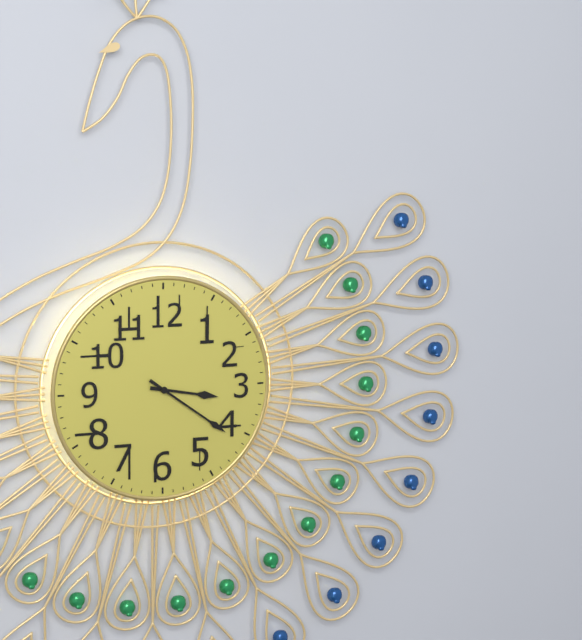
3:21
